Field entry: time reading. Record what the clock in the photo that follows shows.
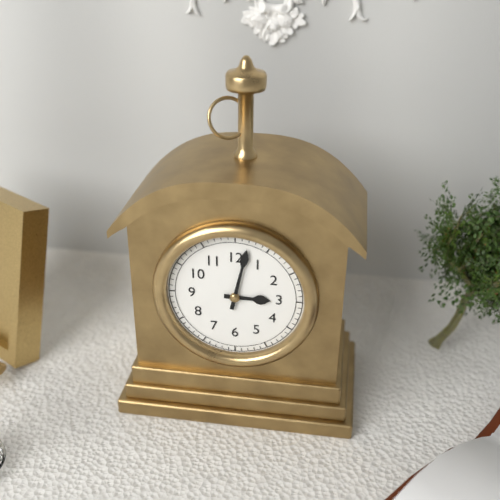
3:02
